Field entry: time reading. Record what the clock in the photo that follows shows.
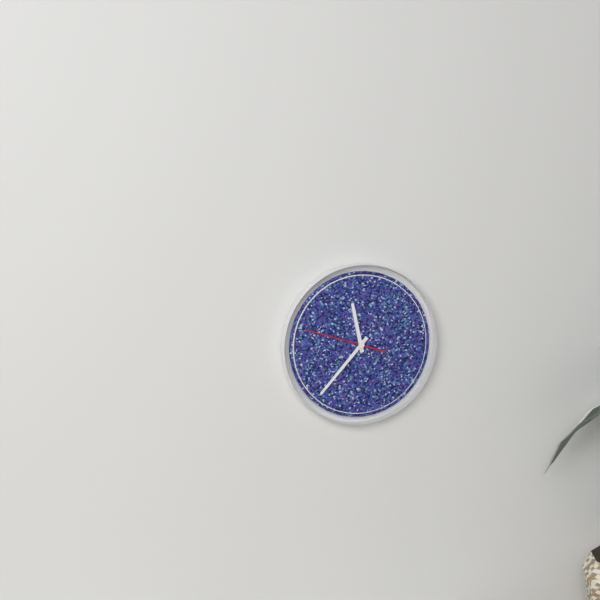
11:37:48
